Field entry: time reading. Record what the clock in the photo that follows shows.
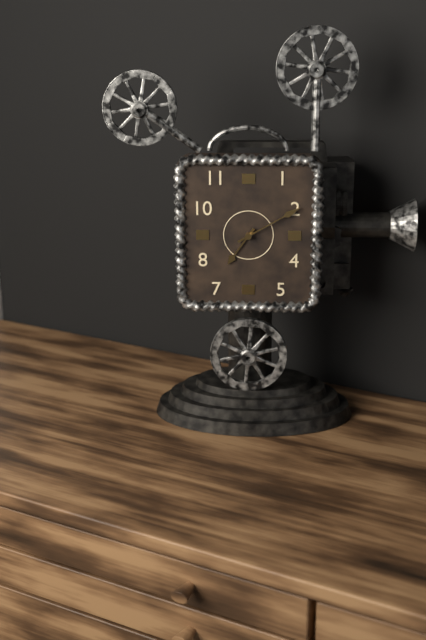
7:10
